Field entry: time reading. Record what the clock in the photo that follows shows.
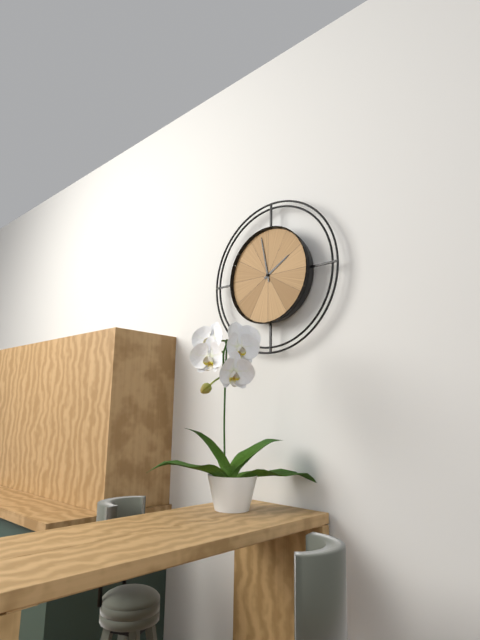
1:58
